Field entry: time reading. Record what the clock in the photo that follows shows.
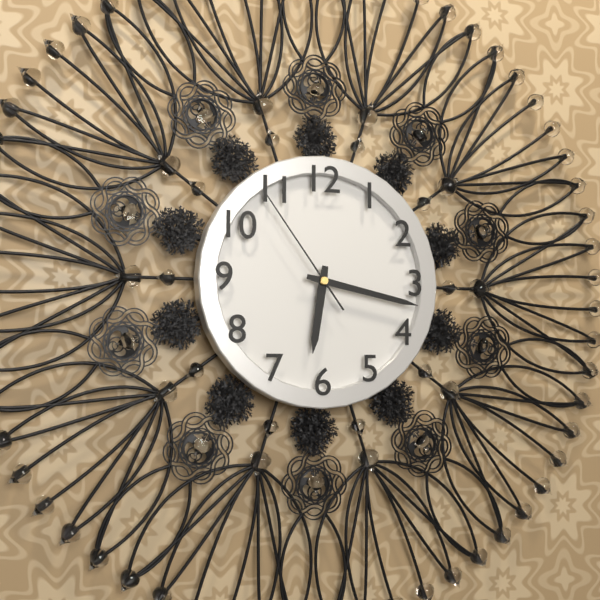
6:17:54
